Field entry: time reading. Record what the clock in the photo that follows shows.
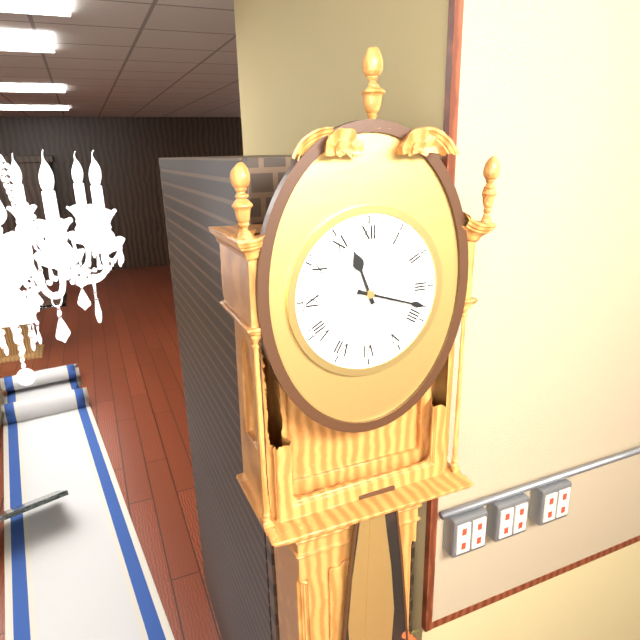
11:18
